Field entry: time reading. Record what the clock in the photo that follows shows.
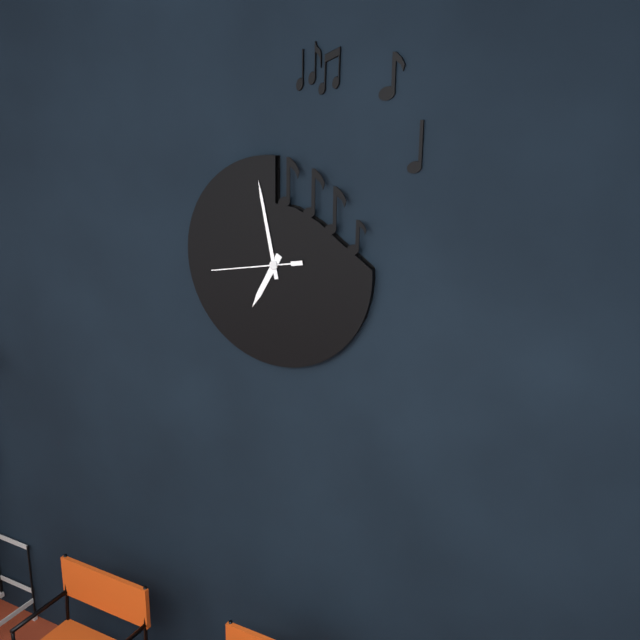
6:58:43
